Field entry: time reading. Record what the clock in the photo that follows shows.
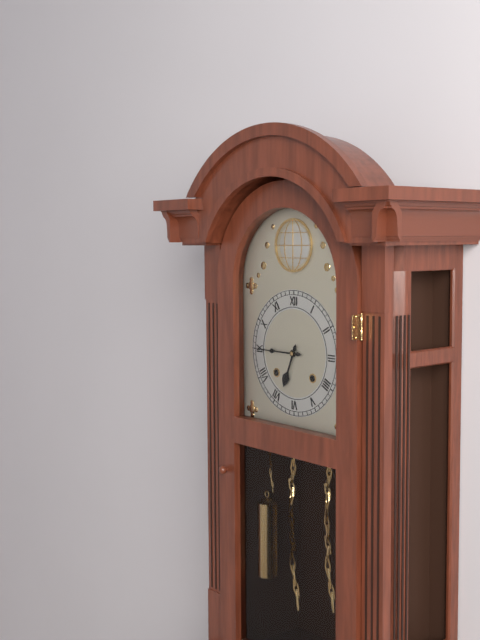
6:45
